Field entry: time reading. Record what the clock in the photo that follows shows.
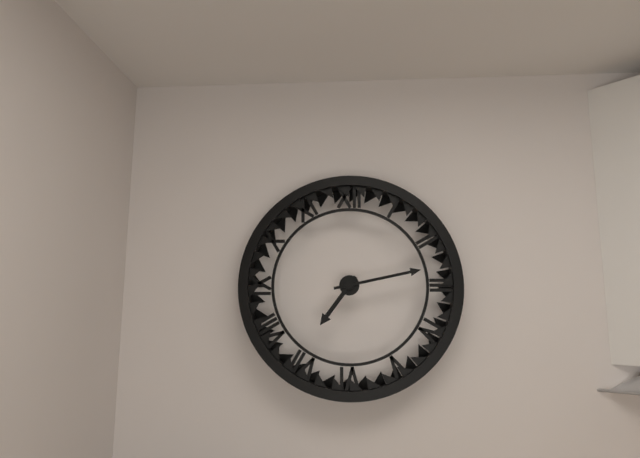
7:13
